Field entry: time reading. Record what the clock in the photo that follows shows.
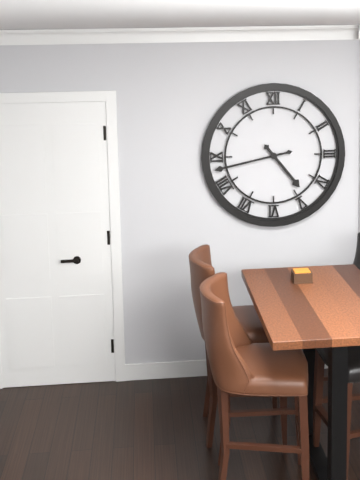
4:43
